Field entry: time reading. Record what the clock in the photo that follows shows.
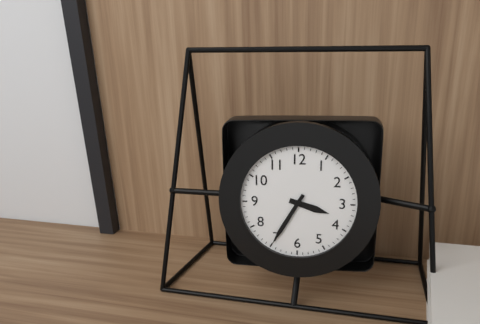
3:35
